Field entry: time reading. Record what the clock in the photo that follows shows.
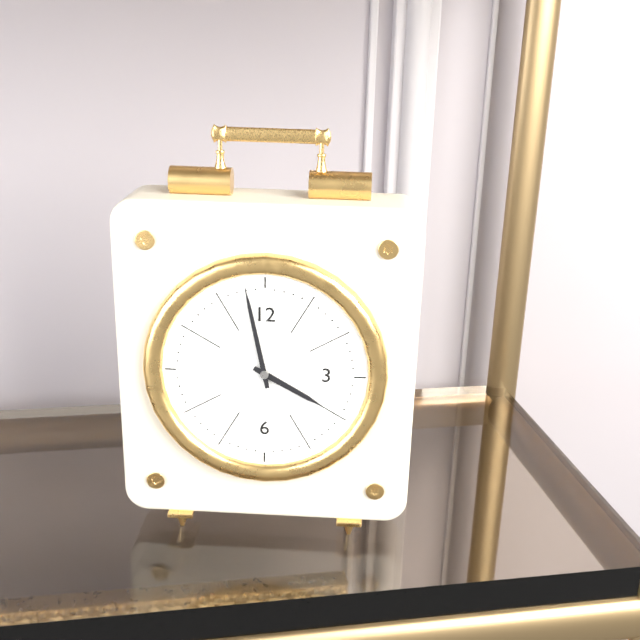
3:58
